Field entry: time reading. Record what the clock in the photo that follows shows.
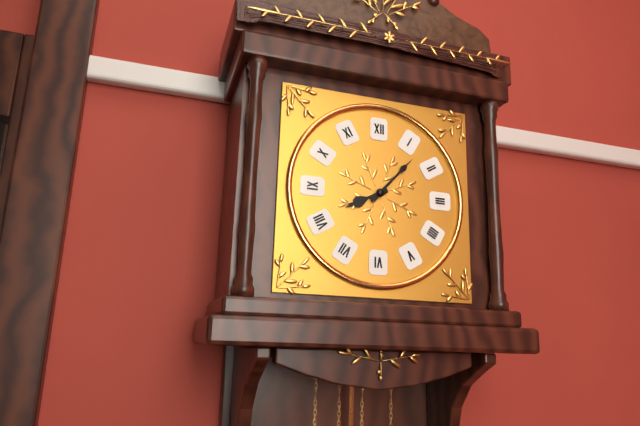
8:07
